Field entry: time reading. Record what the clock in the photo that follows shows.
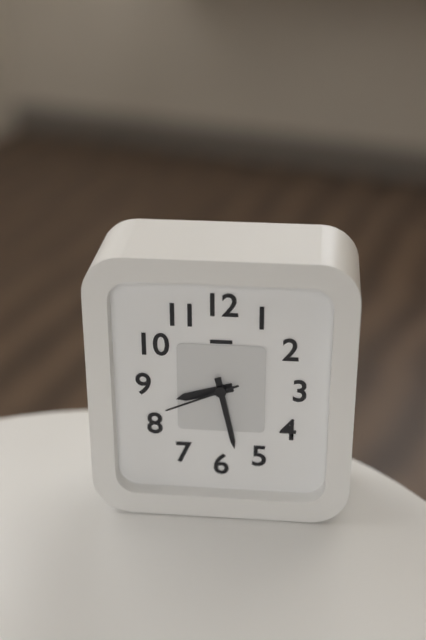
8:28:41
